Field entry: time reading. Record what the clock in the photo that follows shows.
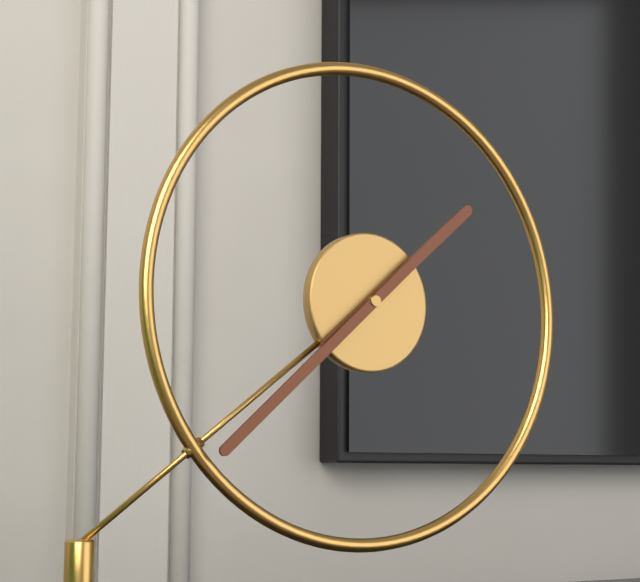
1:38
